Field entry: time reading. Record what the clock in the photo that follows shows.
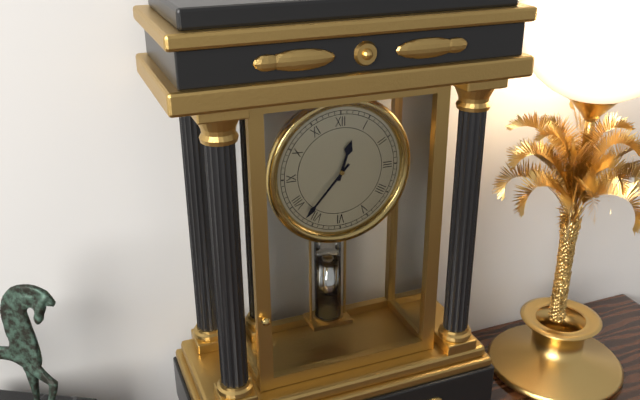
12:37
